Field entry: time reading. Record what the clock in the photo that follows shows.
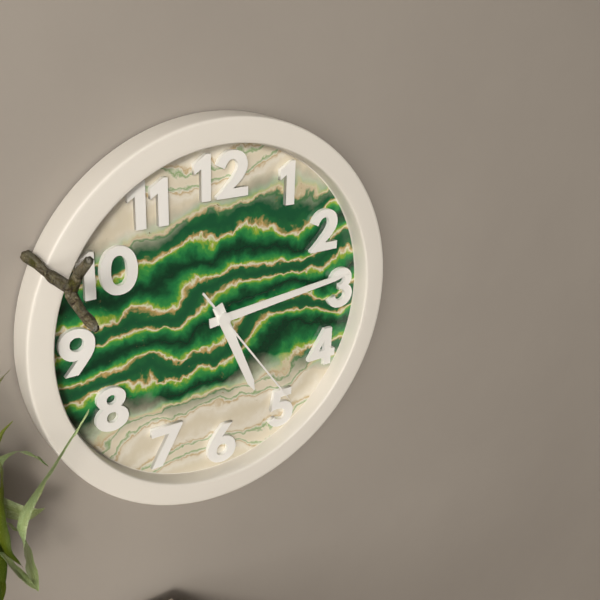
5:14:24
